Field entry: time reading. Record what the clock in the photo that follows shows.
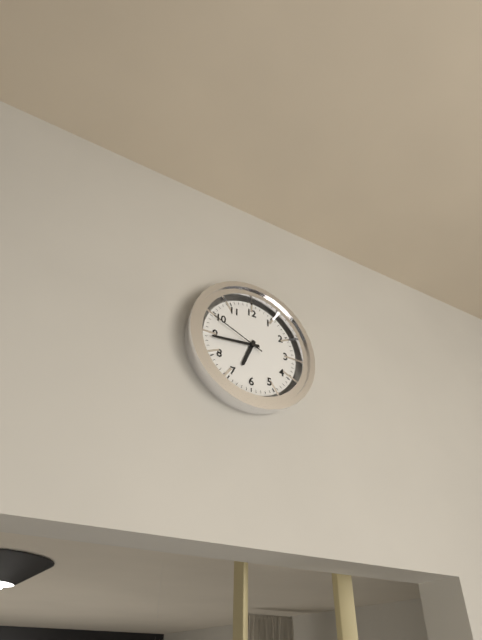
6:44:49
